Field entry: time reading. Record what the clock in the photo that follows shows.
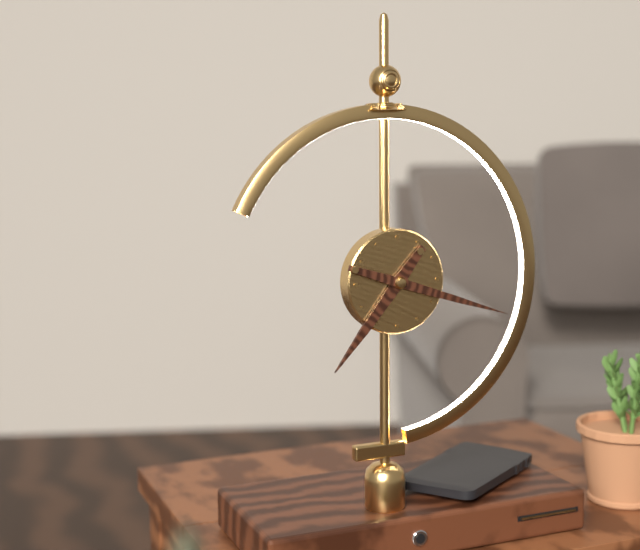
7:18
